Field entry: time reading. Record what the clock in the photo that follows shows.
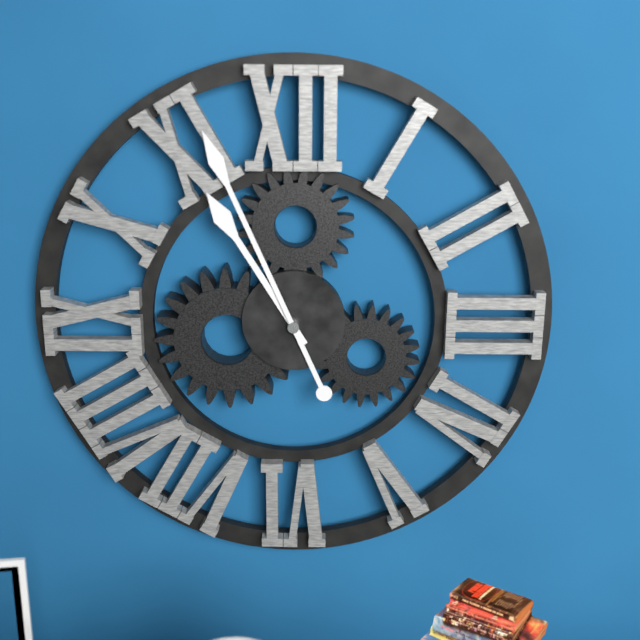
10:56
